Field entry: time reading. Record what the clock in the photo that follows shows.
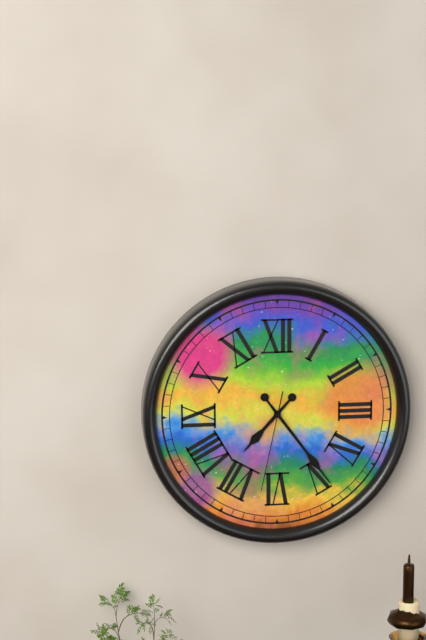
7:24:32
